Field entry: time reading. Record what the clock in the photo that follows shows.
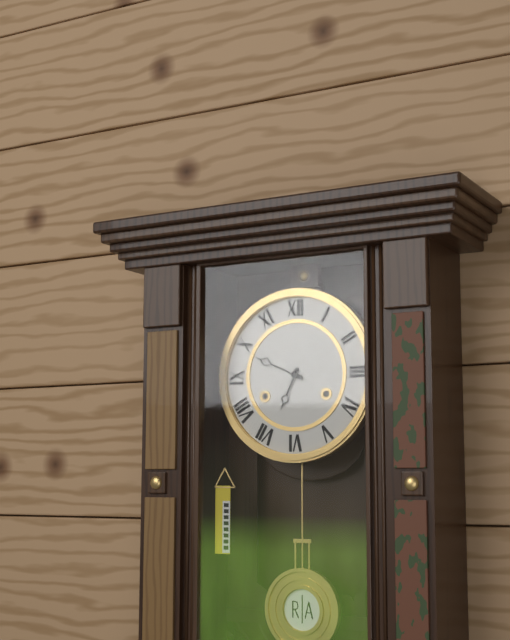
6:49
